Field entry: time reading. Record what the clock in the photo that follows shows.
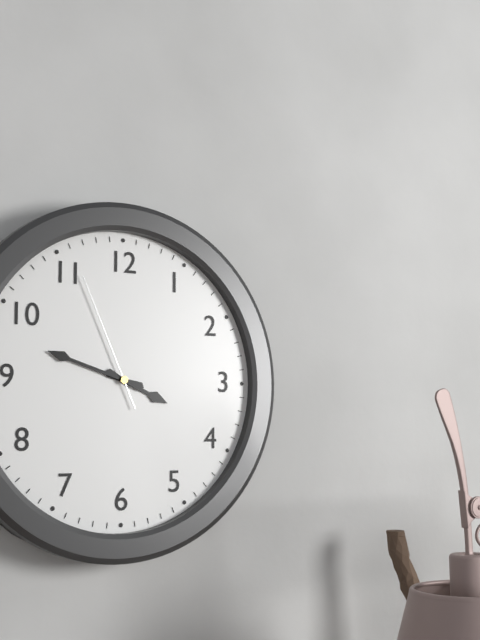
3:48:56
